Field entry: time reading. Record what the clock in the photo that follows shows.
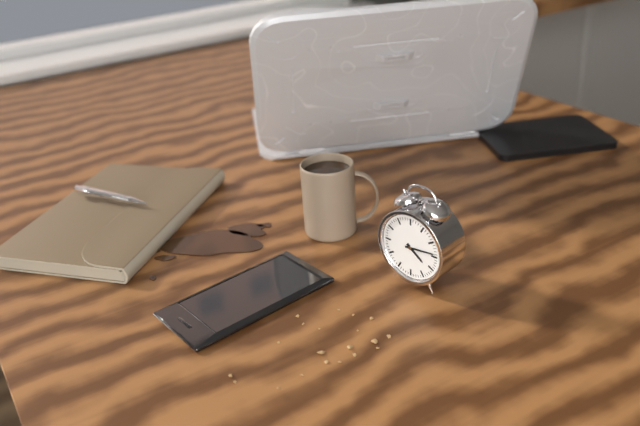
4:14
